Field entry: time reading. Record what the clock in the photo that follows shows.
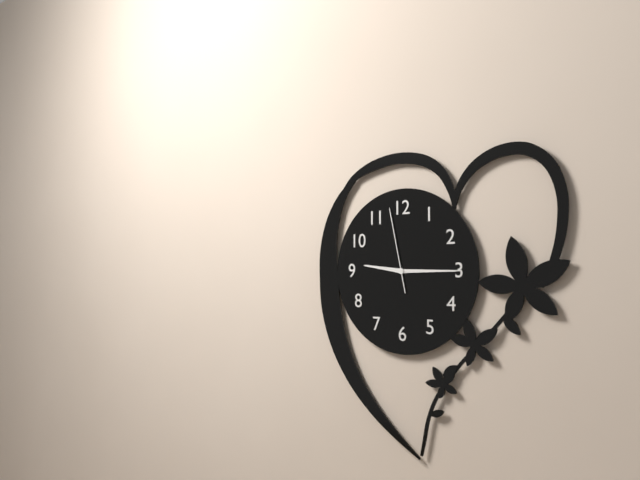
9:15:58
